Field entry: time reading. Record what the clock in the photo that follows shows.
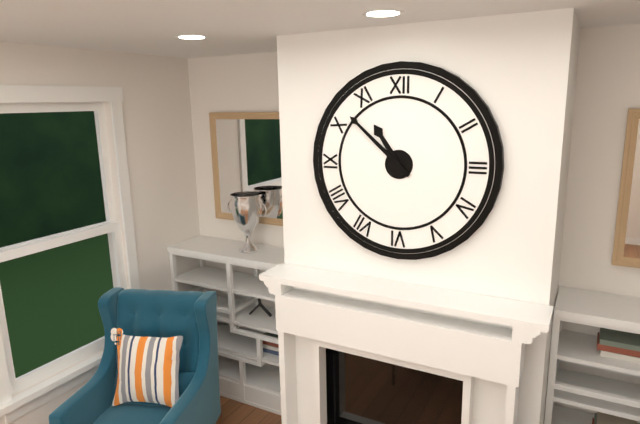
10:52
